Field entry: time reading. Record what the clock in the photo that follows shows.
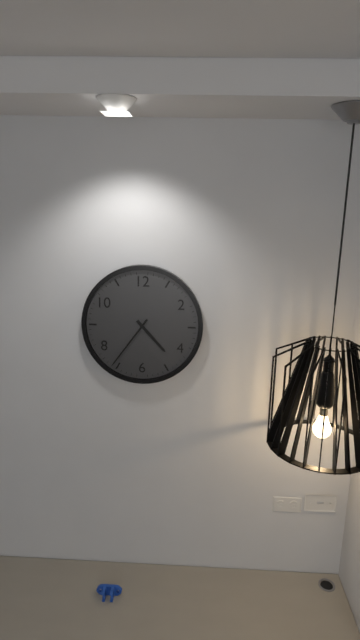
4:36
